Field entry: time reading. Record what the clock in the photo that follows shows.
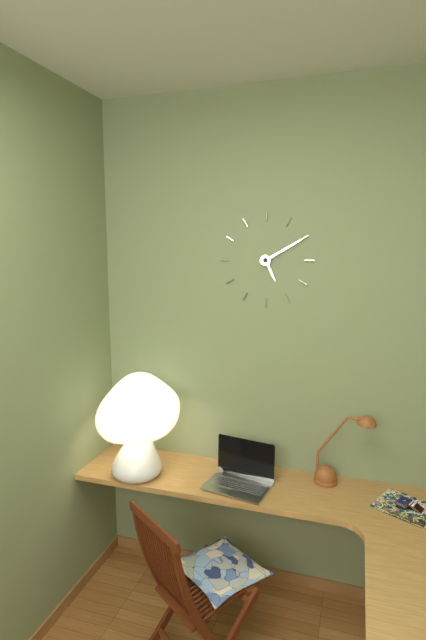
5:10
